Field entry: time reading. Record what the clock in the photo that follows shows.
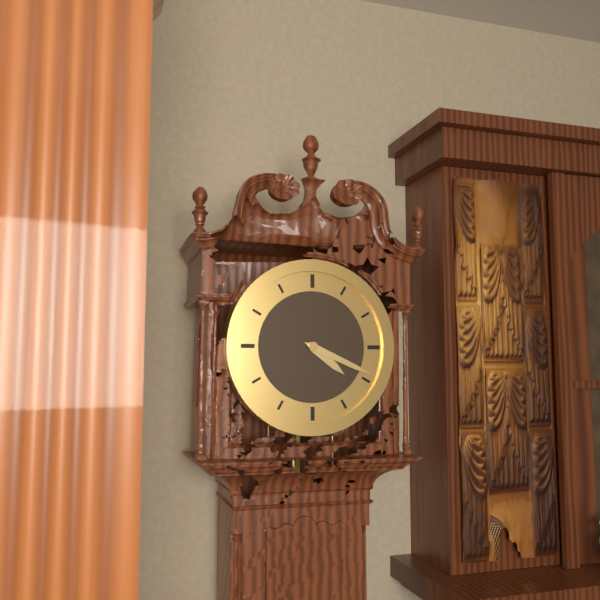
4:19
